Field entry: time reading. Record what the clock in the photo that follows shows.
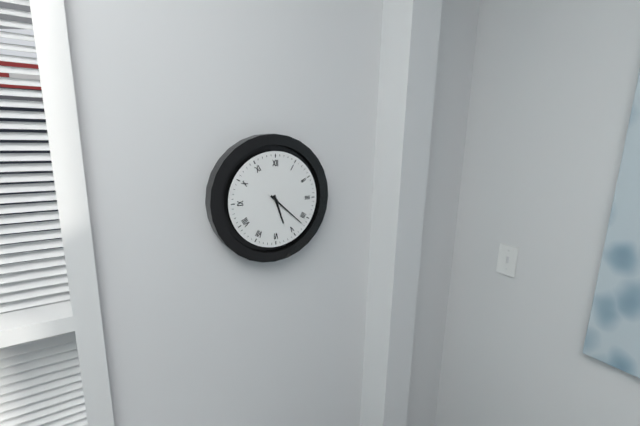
5:22
